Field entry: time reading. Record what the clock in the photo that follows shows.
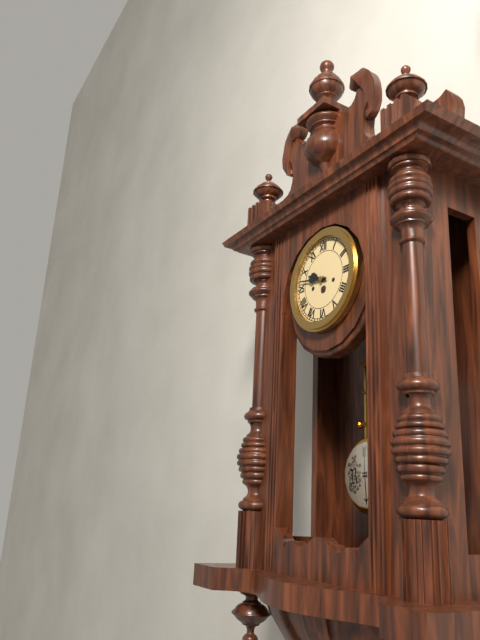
9:47
